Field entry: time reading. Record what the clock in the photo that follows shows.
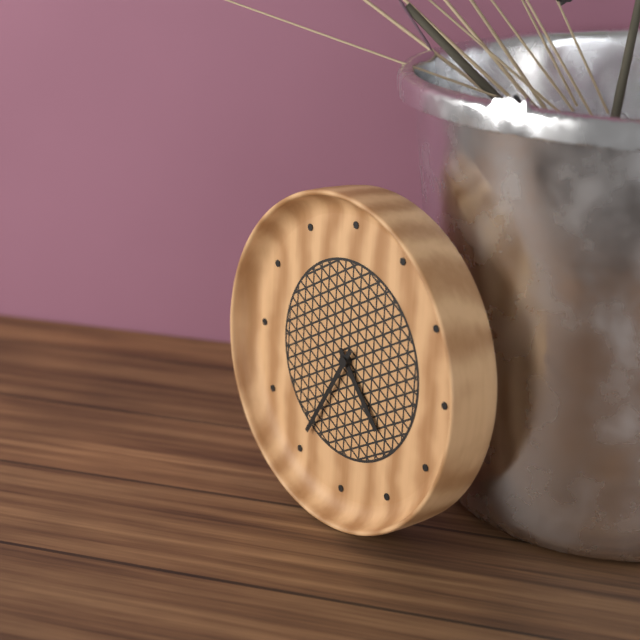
4:35
